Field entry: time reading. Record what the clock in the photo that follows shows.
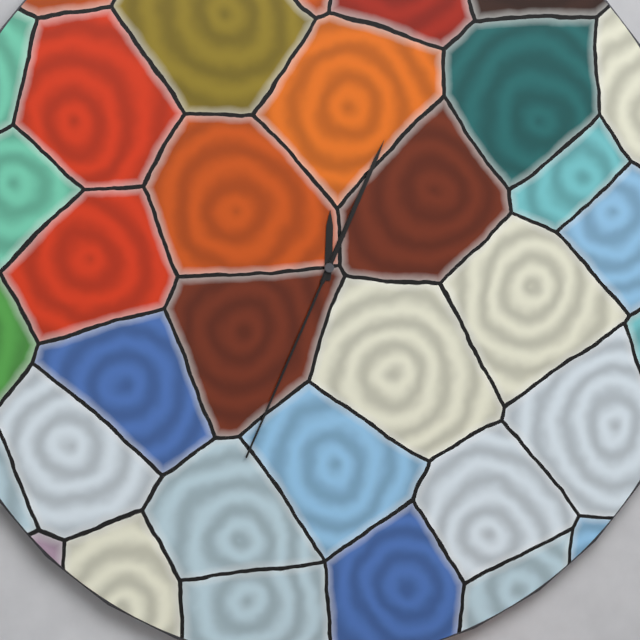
12:04:34
